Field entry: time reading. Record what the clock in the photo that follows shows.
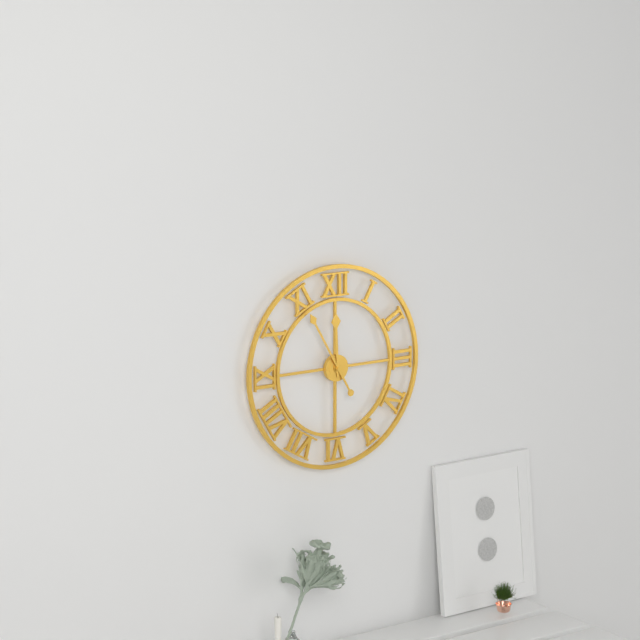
11:55
